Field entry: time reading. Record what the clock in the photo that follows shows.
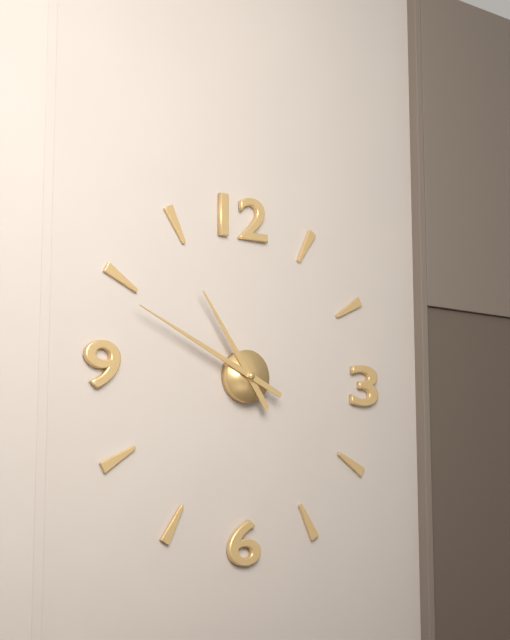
10:49
